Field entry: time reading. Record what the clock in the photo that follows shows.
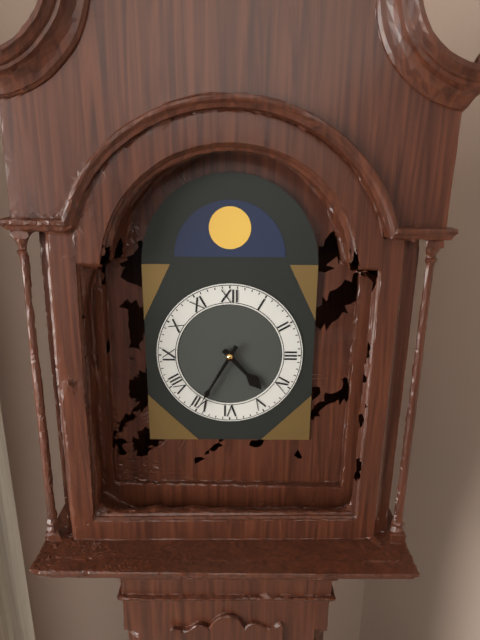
4:35
